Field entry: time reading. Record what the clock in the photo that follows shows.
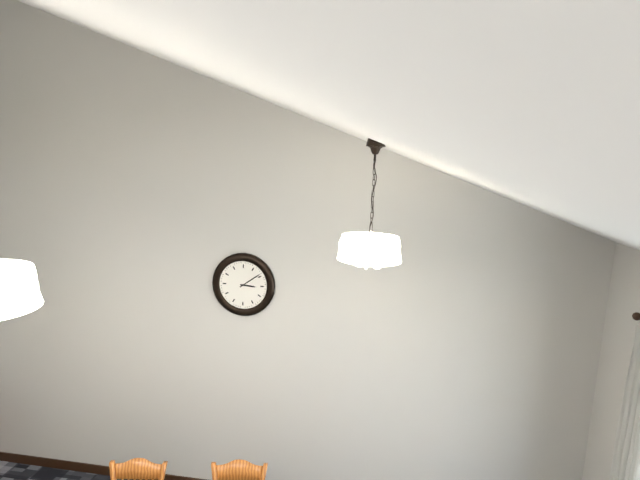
3:09
